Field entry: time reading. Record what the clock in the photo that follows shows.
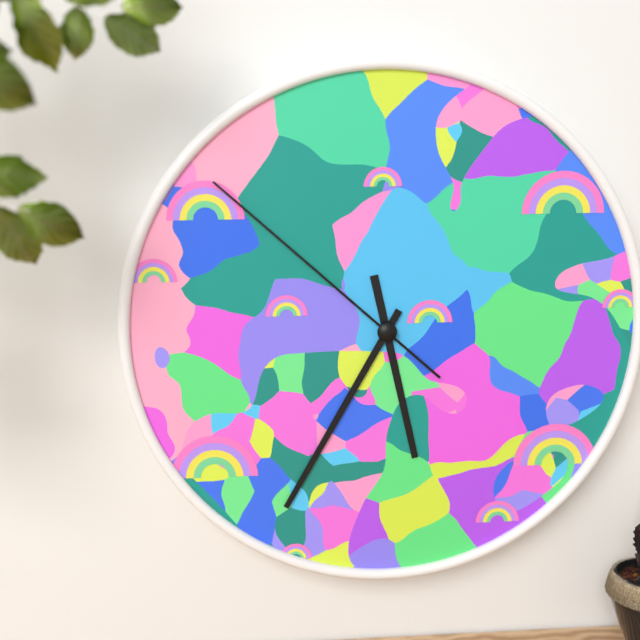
5:35:52
